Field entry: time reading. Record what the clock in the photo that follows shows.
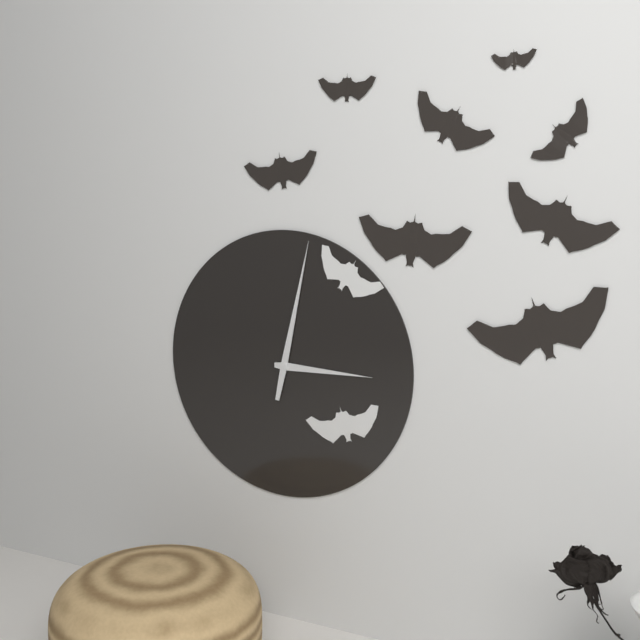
3:02
